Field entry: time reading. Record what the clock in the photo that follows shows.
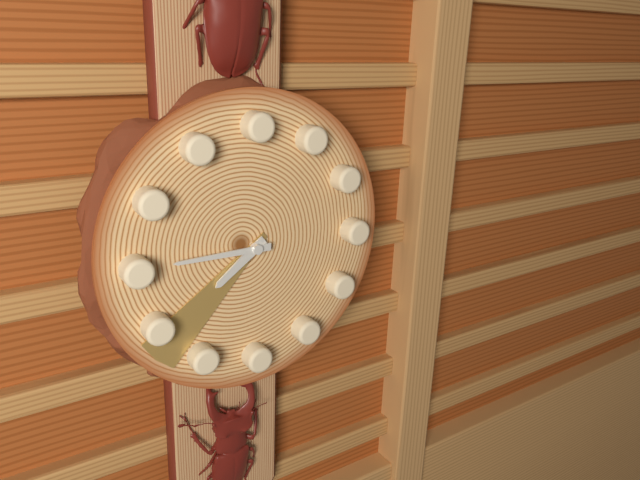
7:45:38
